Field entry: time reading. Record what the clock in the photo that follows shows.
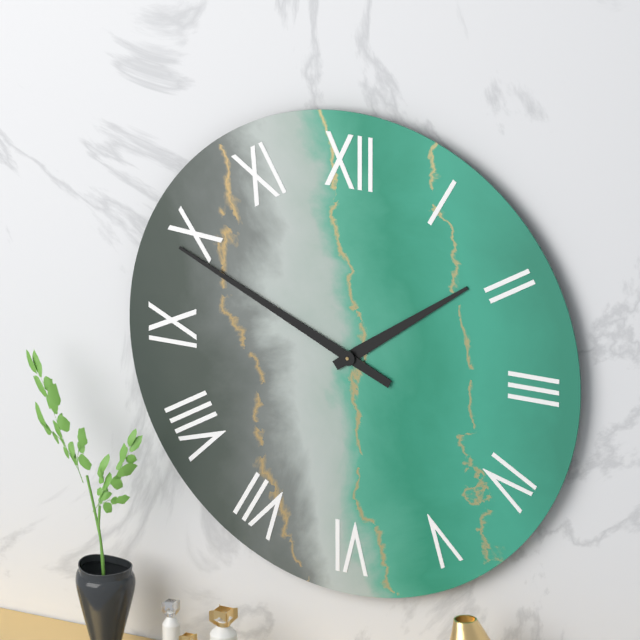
1:49
